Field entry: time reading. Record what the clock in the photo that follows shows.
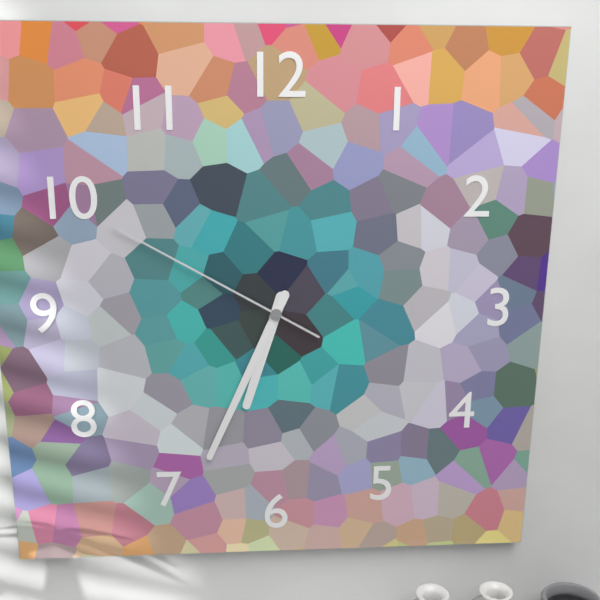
6:34:50
